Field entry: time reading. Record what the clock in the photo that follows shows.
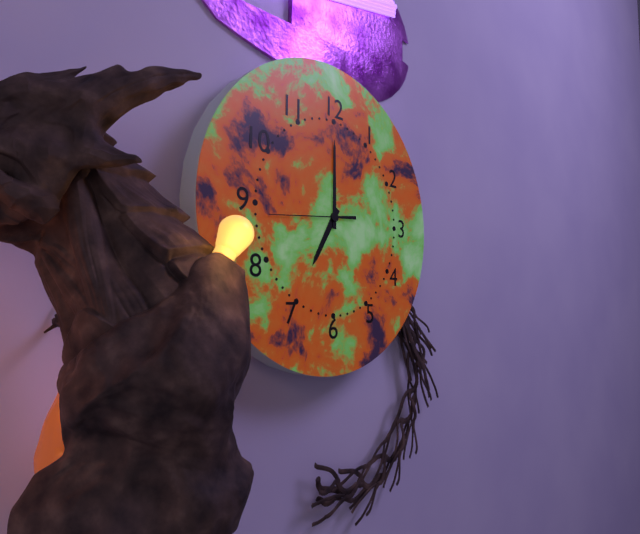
7:00:44
